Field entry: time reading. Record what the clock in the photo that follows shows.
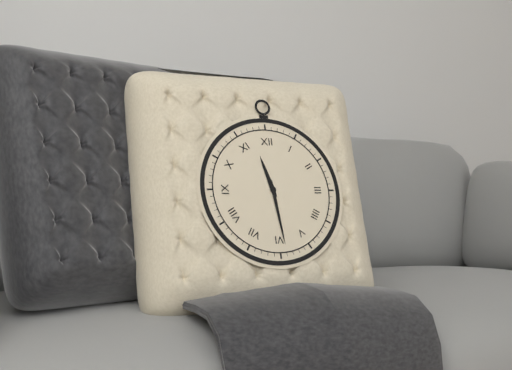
11:29
